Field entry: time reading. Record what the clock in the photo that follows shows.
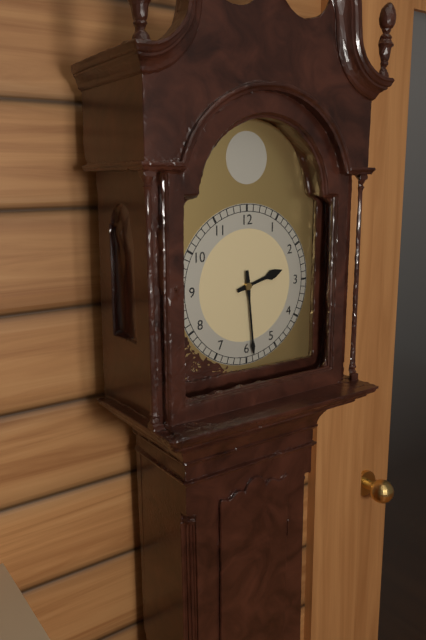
2:29
